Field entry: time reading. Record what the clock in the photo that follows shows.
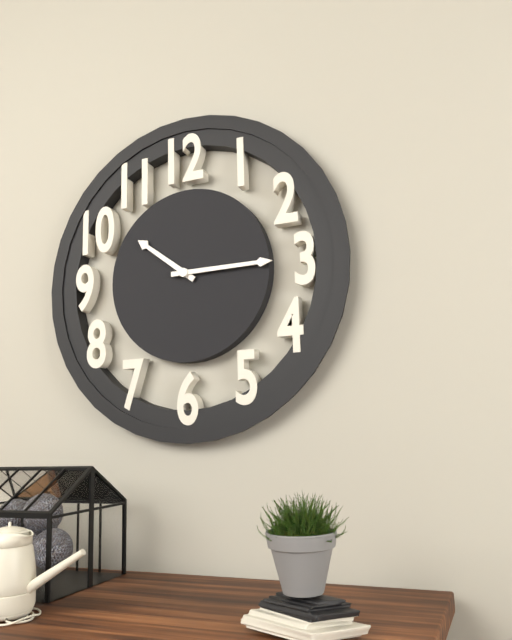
10:15
